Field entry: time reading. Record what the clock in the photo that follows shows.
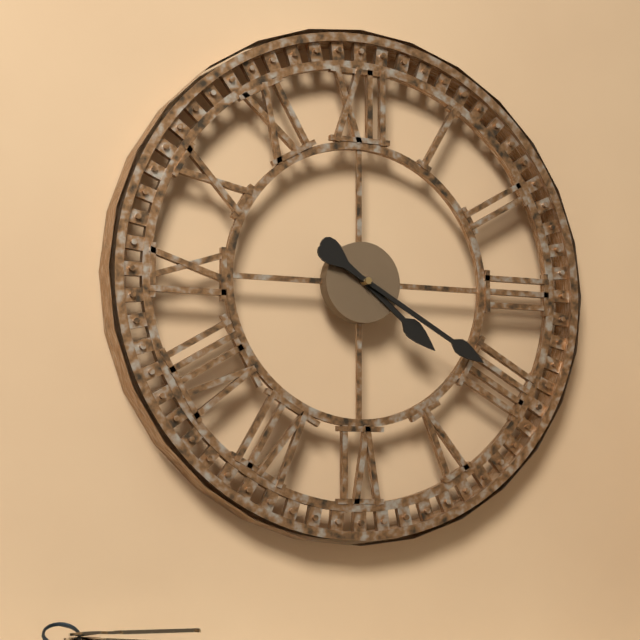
4:20
